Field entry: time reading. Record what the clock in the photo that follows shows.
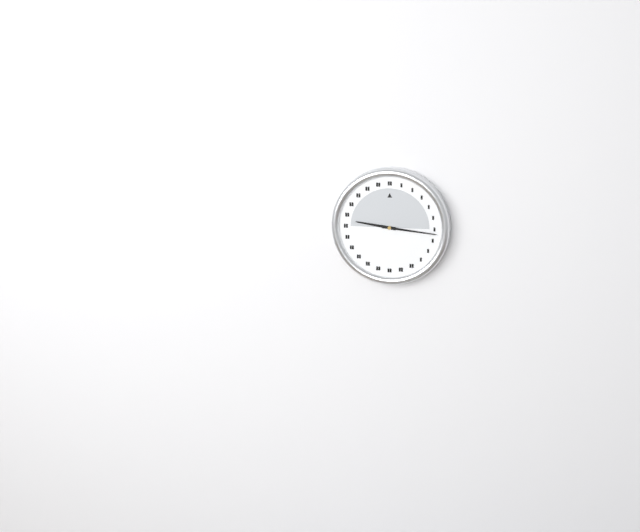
9:16
